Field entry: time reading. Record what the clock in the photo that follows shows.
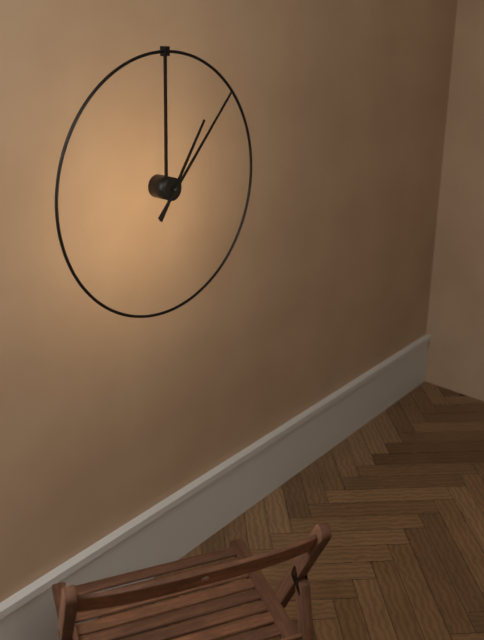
1:07
